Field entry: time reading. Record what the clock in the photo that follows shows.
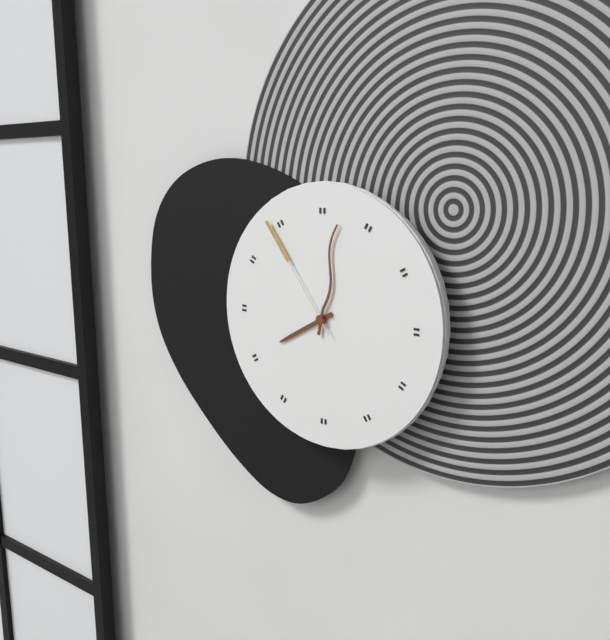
8:02:54
